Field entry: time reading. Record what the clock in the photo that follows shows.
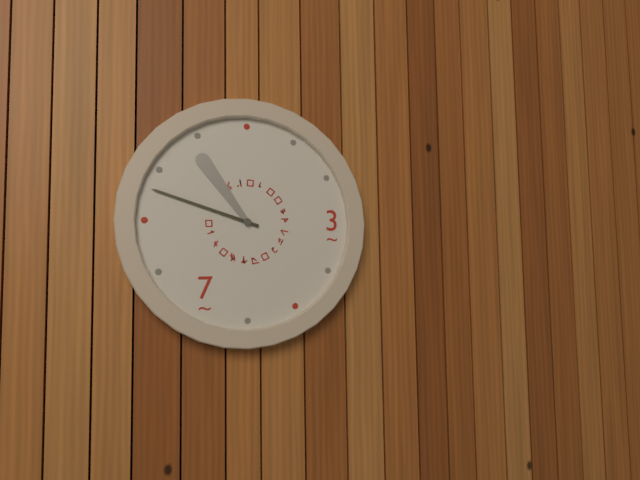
10:48
